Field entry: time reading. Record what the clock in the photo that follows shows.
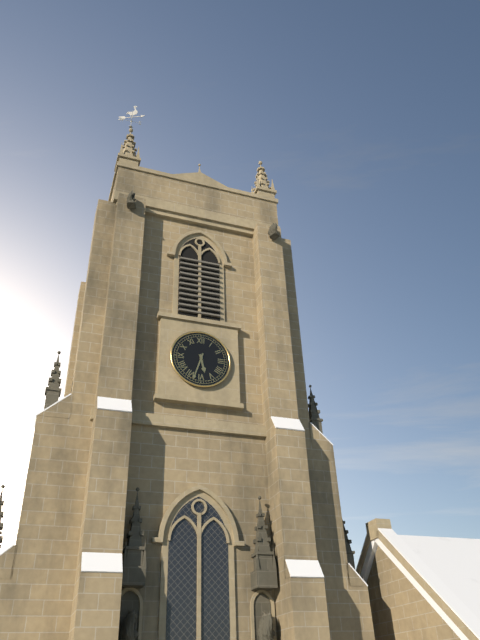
5:33
